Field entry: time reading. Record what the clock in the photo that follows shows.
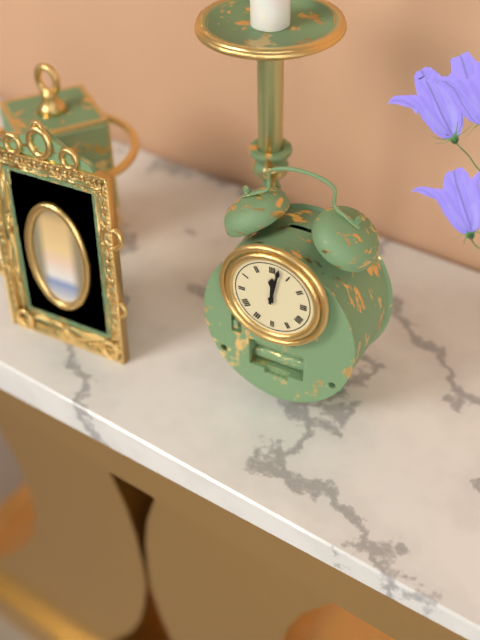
12:02
